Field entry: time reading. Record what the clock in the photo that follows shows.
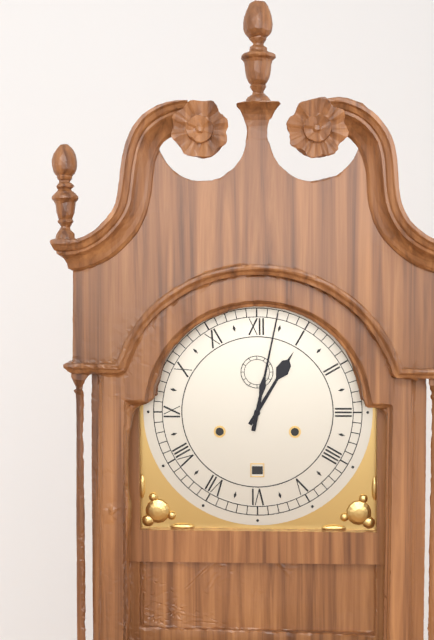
1:02
